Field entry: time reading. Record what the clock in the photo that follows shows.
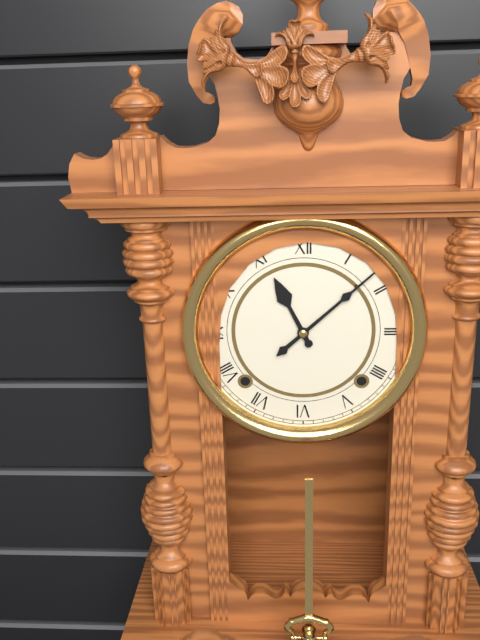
11:08
